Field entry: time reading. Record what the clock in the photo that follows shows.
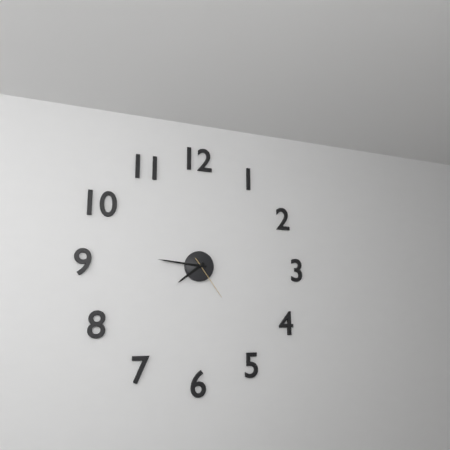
7:46
